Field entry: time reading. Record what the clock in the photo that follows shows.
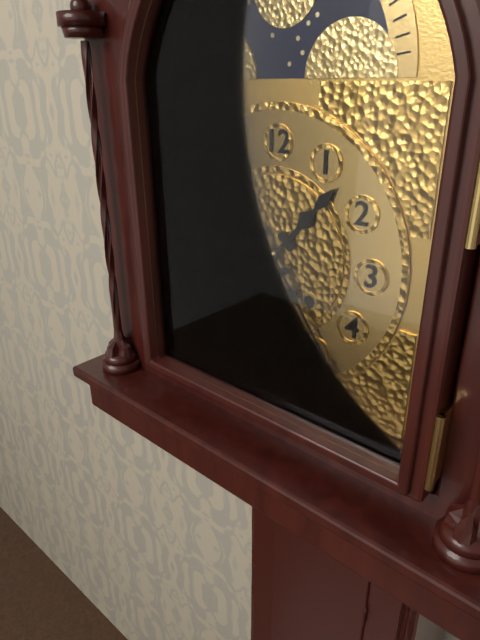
1:24
